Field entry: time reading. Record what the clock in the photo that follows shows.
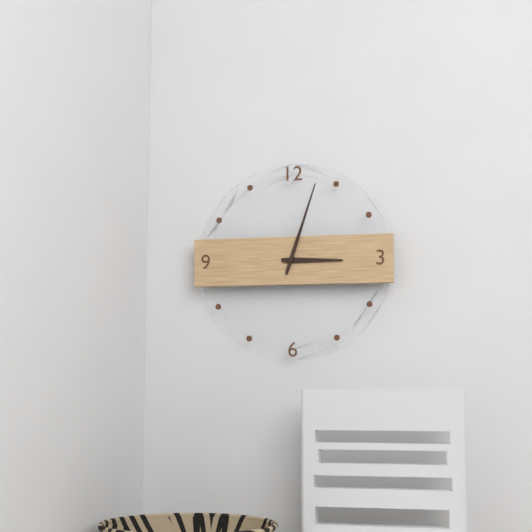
3:03
